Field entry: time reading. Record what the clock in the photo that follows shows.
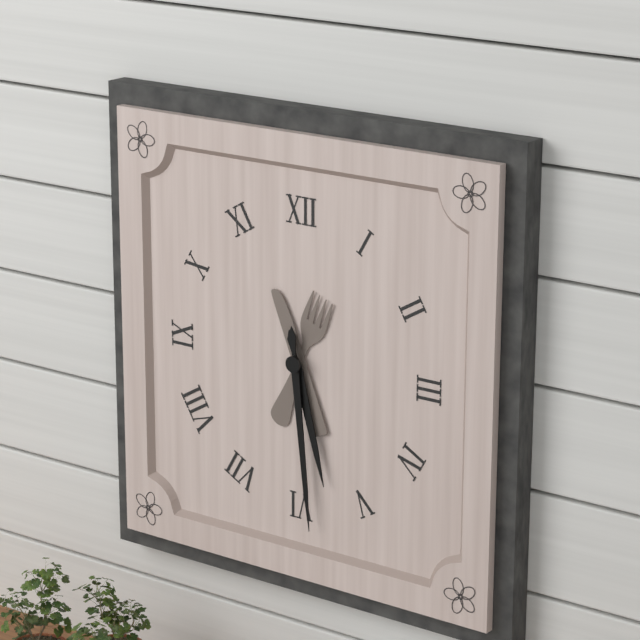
5:29
